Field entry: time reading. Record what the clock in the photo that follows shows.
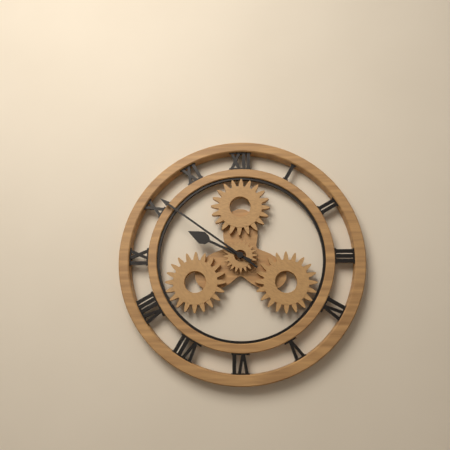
9:51
